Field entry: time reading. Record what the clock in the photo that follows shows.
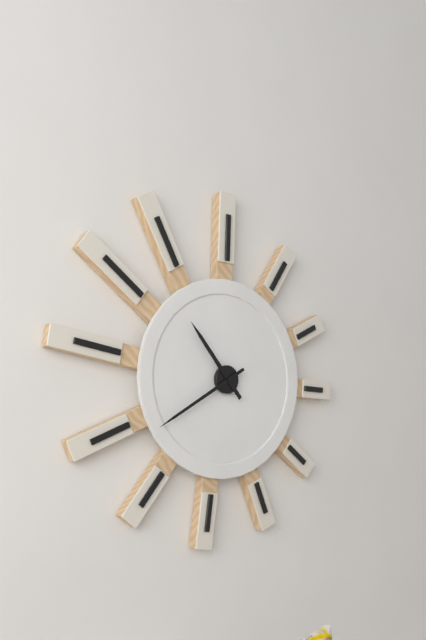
10:40
